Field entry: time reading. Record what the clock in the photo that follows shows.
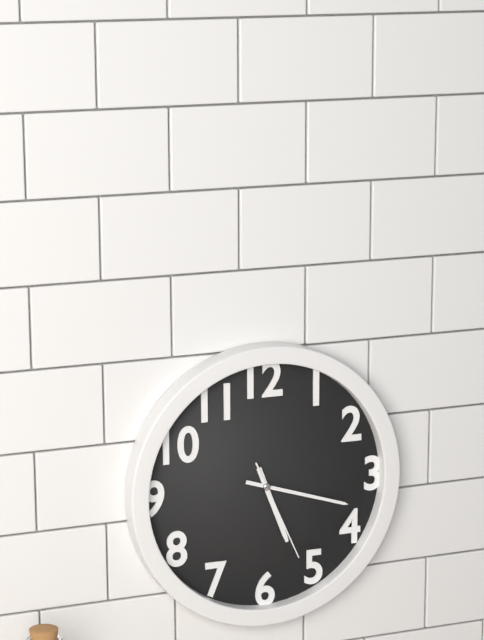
5:18:26
